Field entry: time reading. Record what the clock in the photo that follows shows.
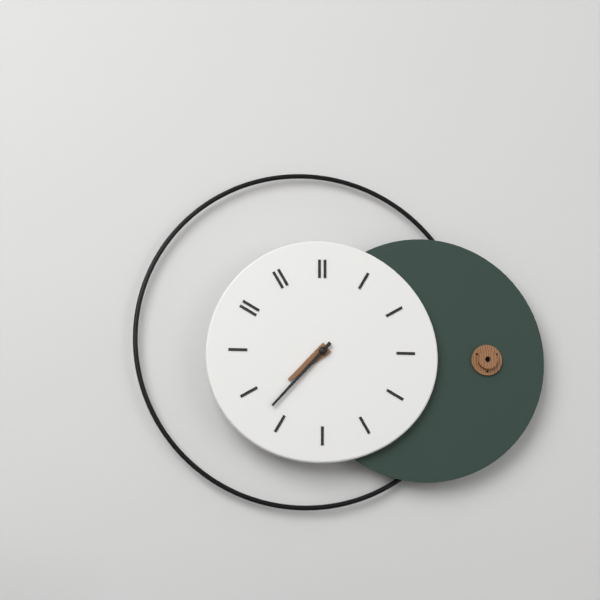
7:37
